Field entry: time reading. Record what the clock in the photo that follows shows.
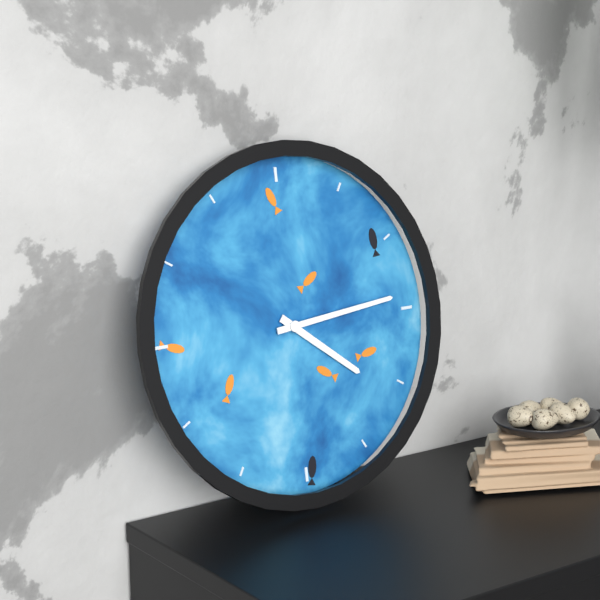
4:14
